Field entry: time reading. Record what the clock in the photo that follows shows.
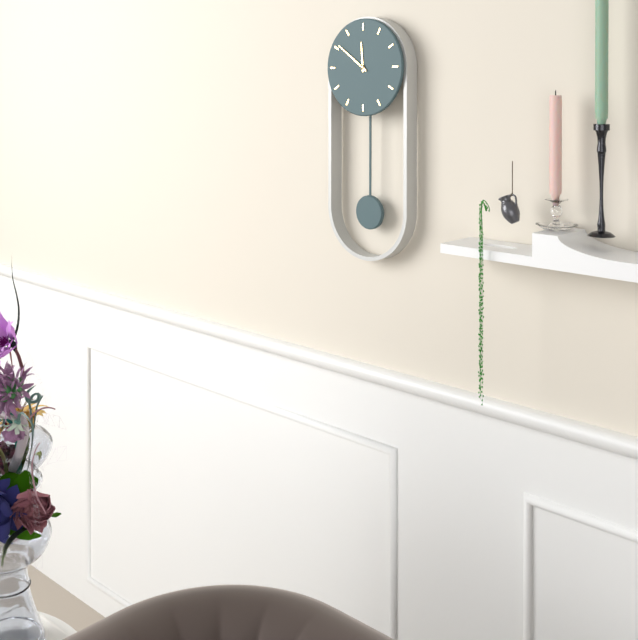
11:51
